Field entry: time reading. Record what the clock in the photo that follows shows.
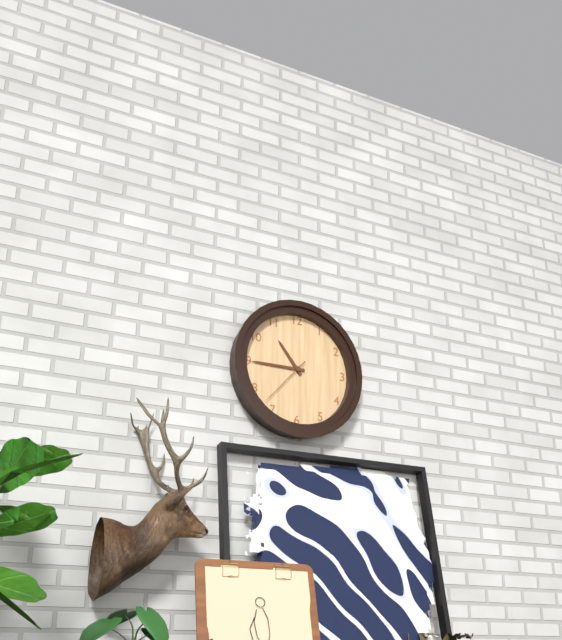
10:45:37
